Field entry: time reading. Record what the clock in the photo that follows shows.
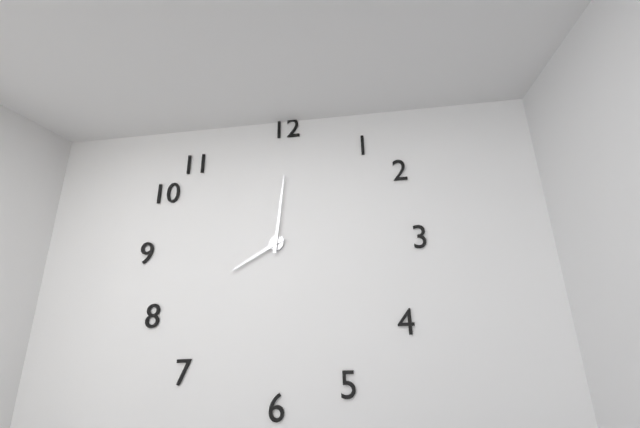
8:01
